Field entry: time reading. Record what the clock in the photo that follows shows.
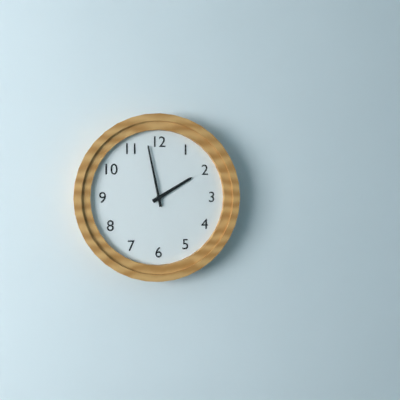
1:58
